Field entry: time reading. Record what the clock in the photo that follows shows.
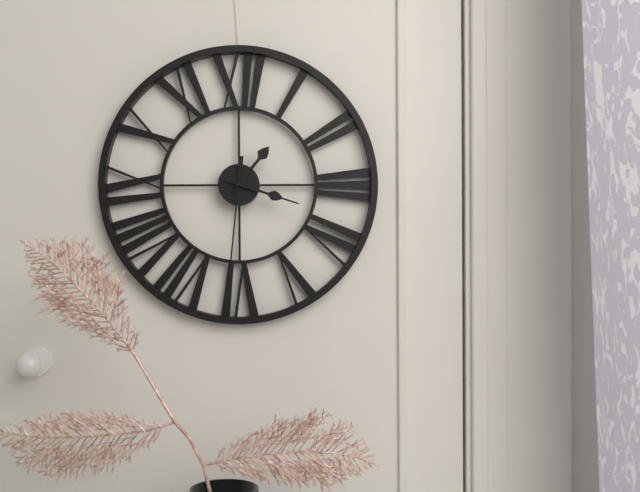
1:18:31
